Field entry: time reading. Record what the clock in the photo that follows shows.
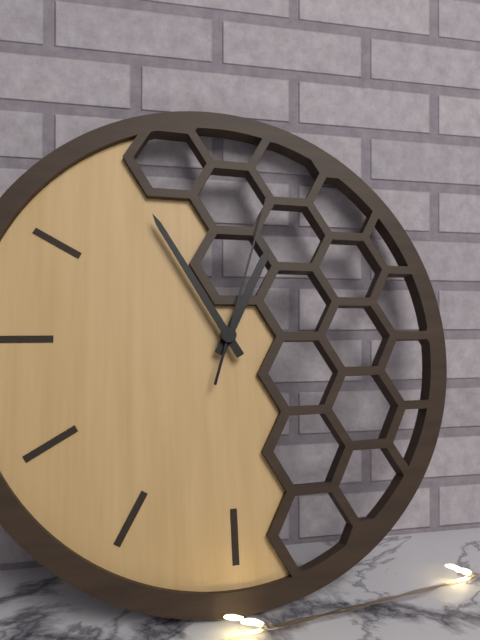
12:55:03
